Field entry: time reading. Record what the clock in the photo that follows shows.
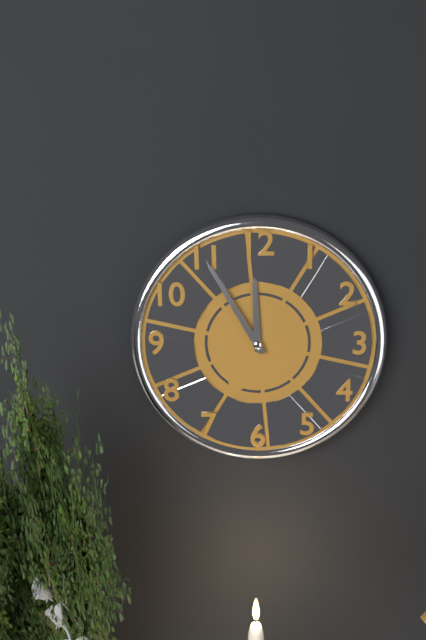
11:55
